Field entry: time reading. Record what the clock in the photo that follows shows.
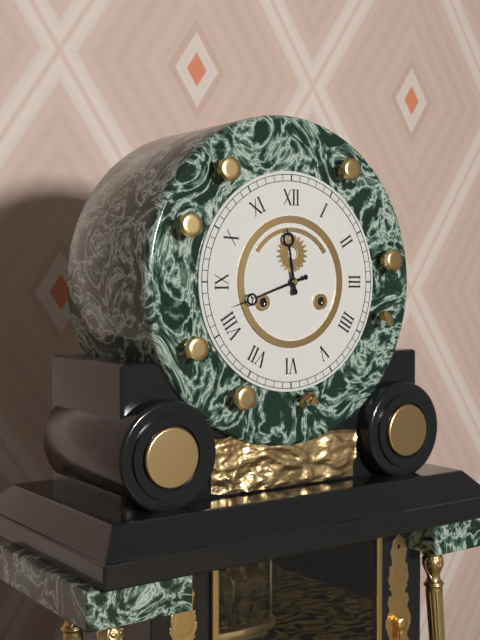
11:42
